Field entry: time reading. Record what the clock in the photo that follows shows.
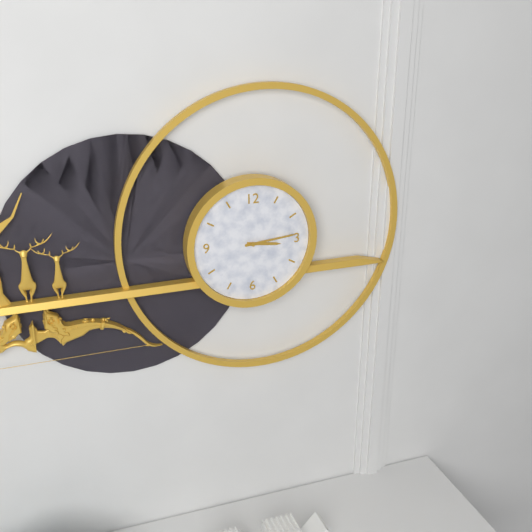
3:14
